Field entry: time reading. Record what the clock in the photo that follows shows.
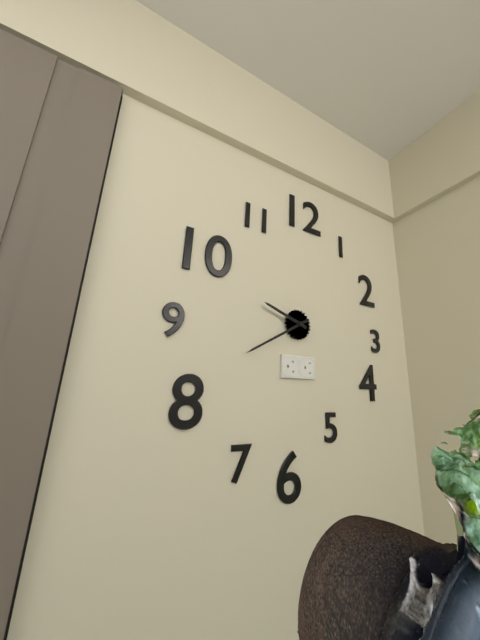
9:40
